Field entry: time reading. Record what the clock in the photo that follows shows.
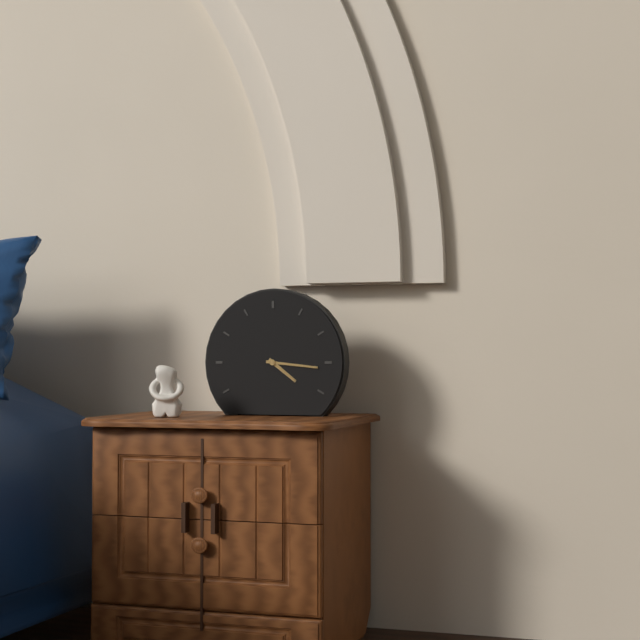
4:16
